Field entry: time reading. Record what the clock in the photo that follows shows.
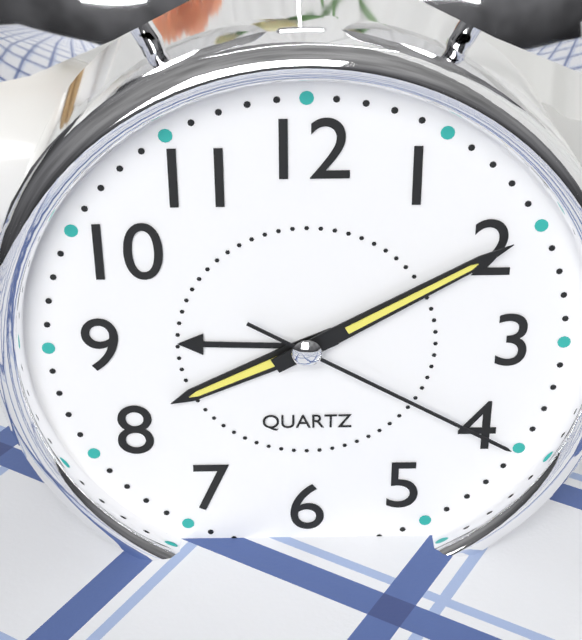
8:10:20
